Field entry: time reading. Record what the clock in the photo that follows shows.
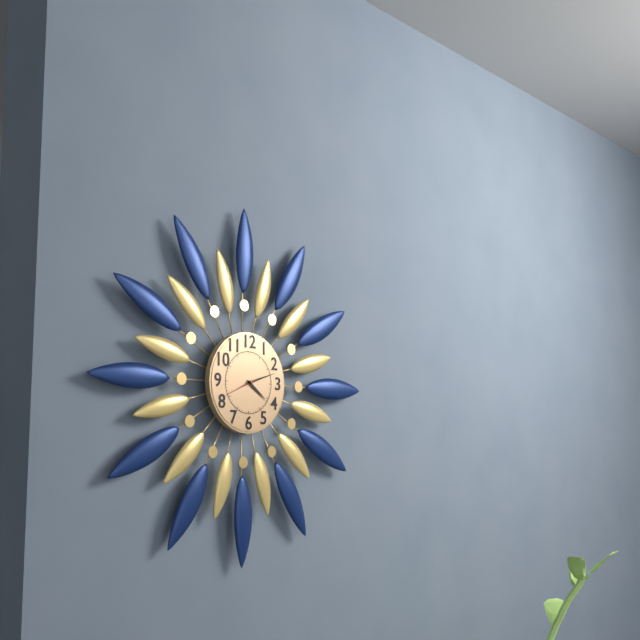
4:12
